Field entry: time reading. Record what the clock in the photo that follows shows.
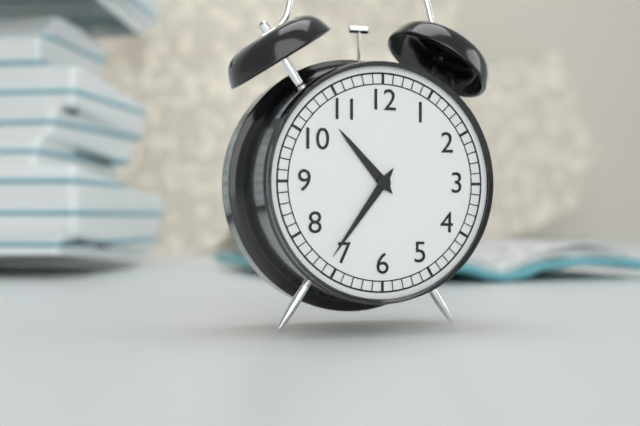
10:36
